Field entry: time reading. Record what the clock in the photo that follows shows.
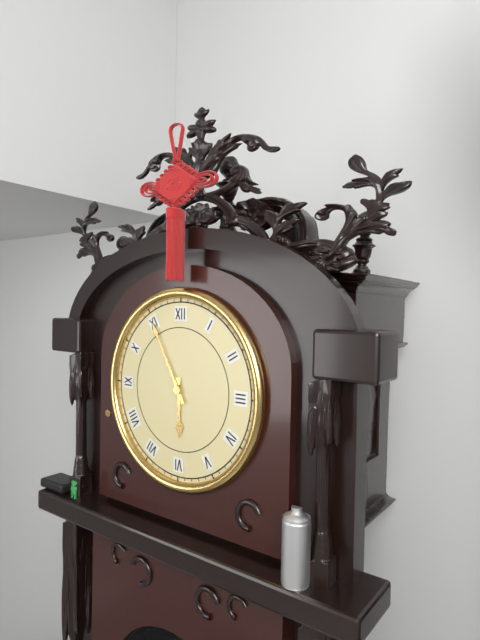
5:55
